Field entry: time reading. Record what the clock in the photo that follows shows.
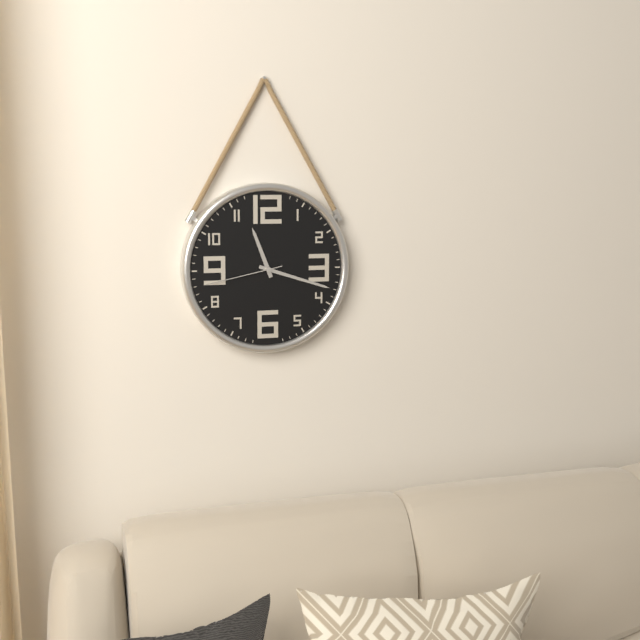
11:18:43
